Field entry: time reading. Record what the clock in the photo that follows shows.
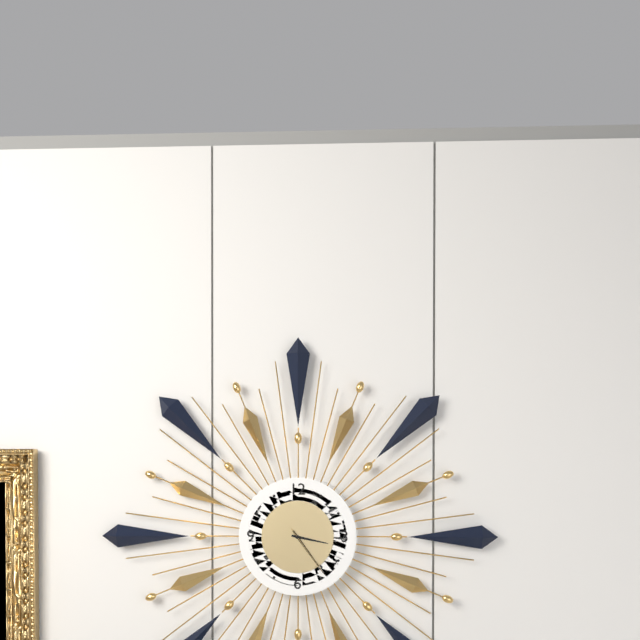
3:24:24
